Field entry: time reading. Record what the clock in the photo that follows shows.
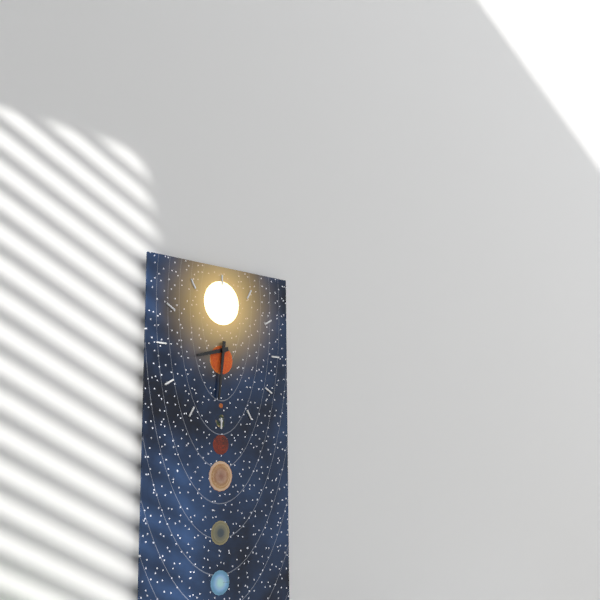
8:31
